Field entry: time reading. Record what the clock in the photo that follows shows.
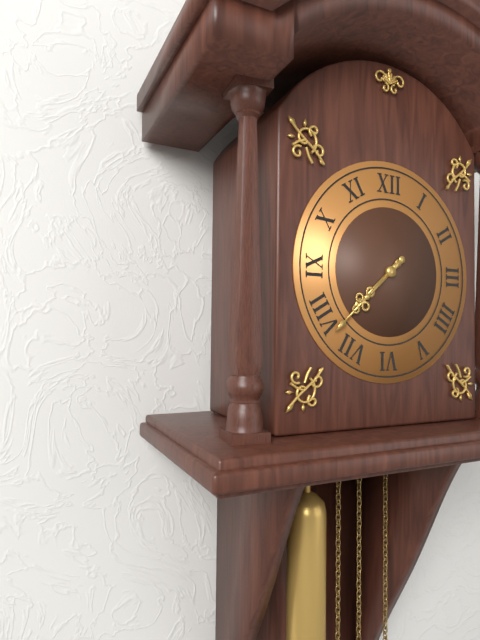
7:38
